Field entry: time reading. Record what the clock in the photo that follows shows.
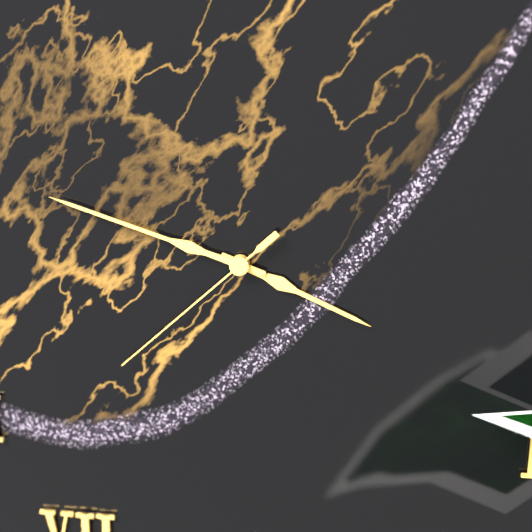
3:48:38
